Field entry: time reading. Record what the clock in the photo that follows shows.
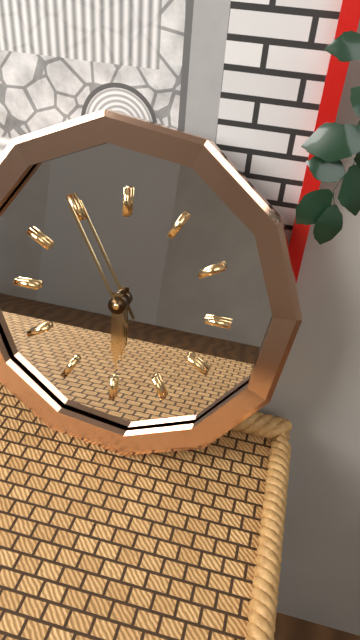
5:55
